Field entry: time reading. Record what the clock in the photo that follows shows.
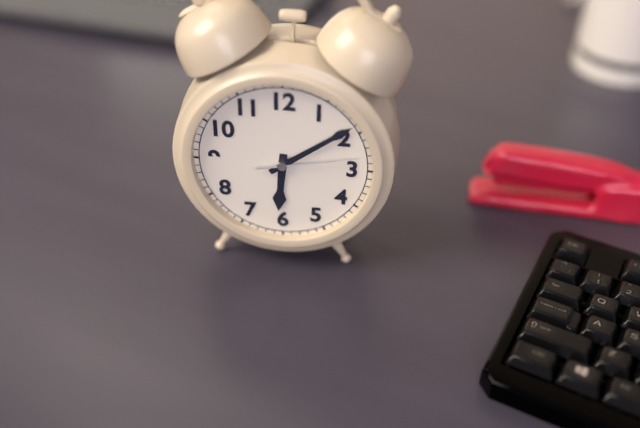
6:09:13
